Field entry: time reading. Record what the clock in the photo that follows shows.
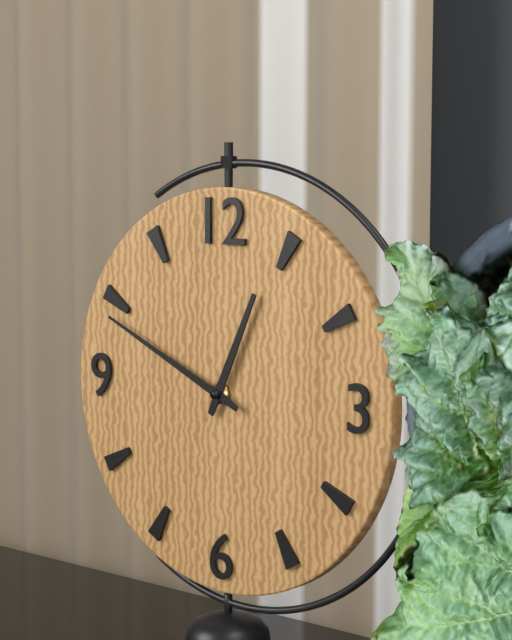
12:49
